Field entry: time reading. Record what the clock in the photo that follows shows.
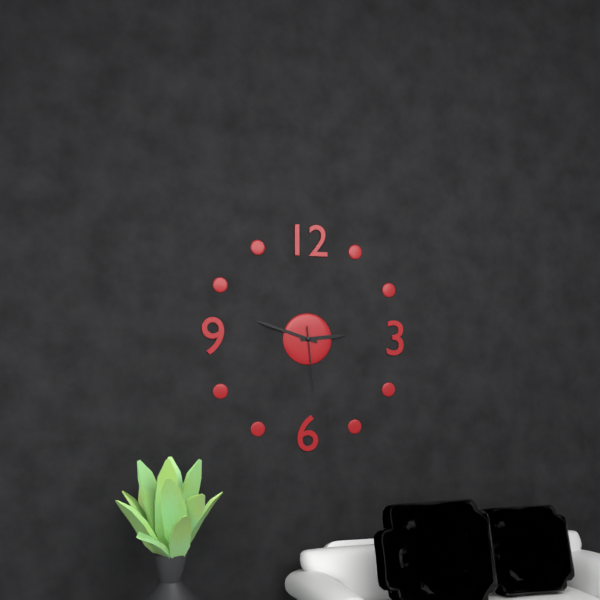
2:48:29
